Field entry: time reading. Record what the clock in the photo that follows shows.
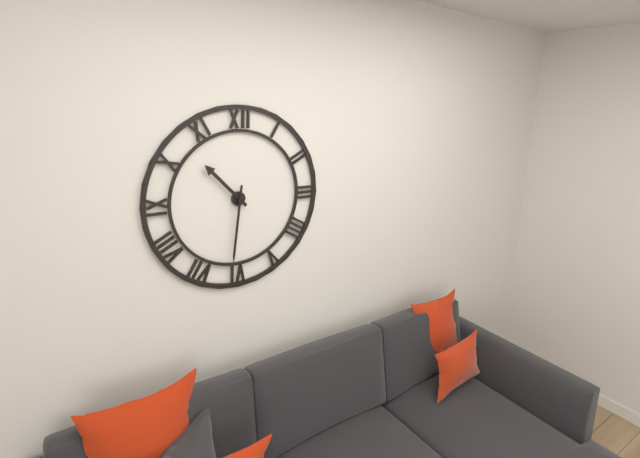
10:31
